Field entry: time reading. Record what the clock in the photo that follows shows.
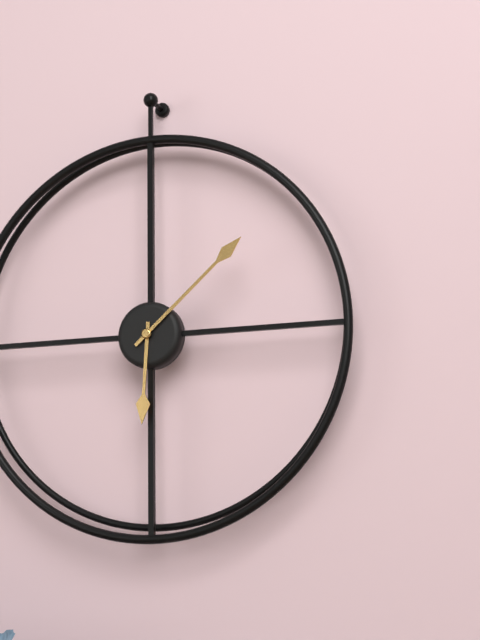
6:08
